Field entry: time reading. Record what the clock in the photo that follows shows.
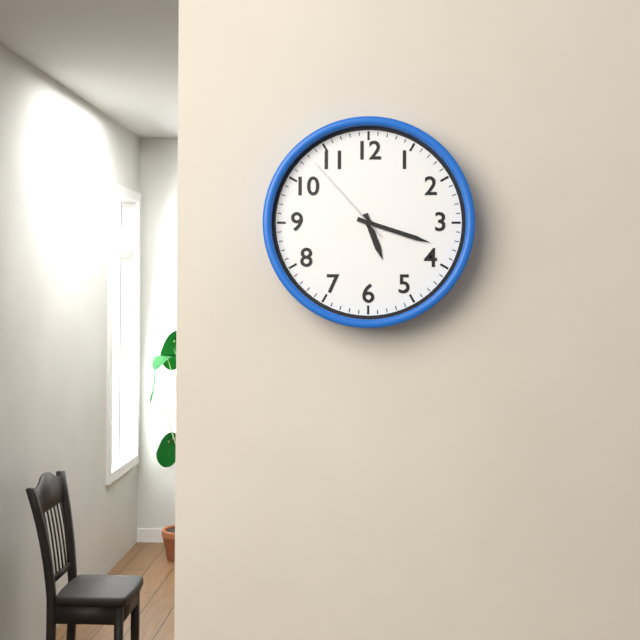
5:18:53
